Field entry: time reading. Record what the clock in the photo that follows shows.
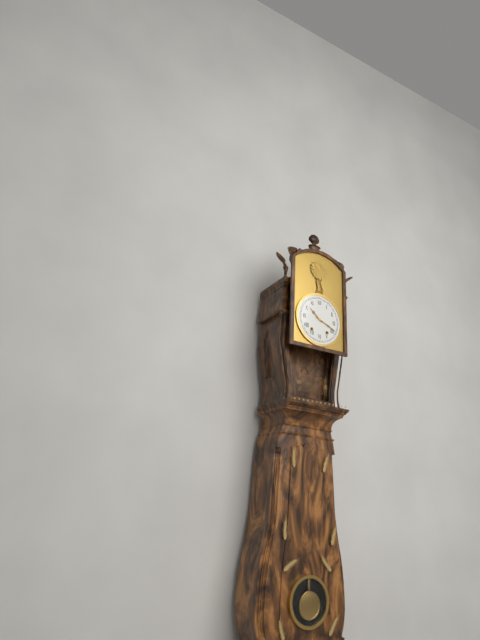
10:19
